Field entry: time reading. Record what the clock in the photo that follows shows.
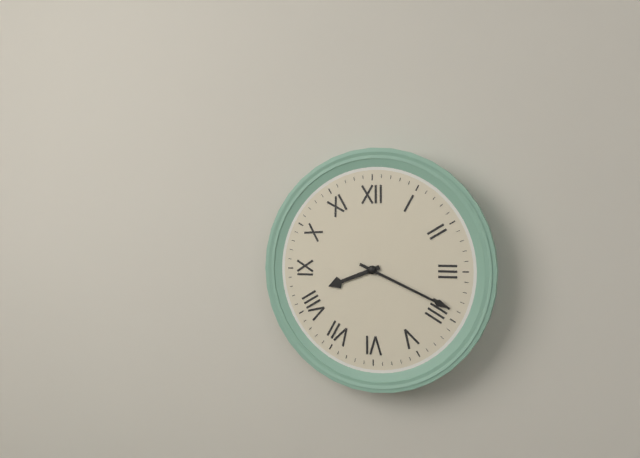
8:19
